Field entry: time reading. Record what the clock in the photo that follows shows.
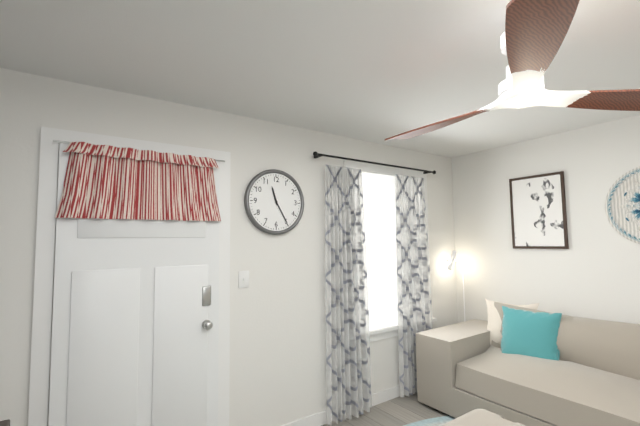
11:25
